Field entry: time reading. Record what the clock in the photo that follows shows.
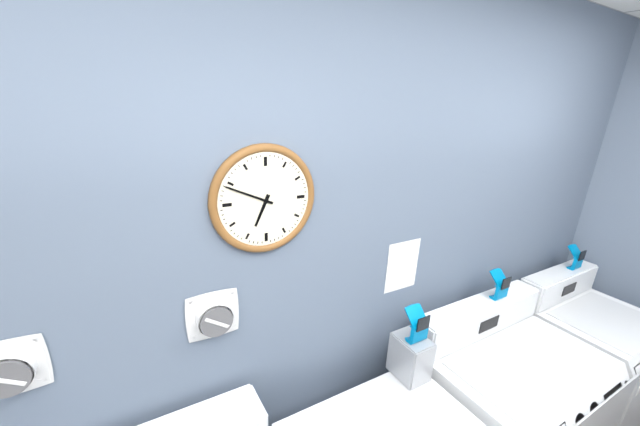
6:49
